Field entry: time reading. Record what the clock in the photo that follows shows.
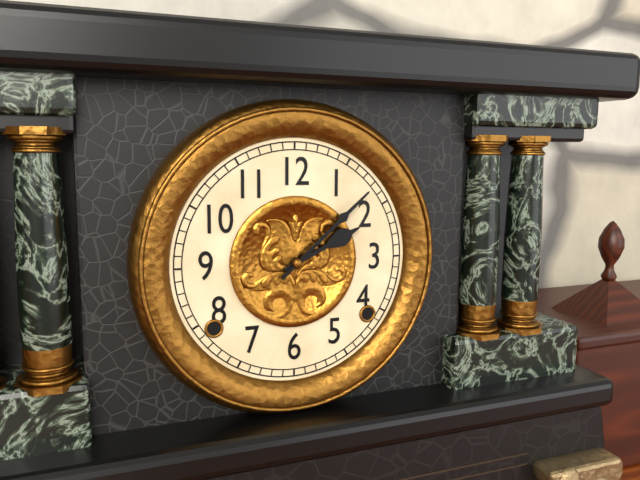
2:08
